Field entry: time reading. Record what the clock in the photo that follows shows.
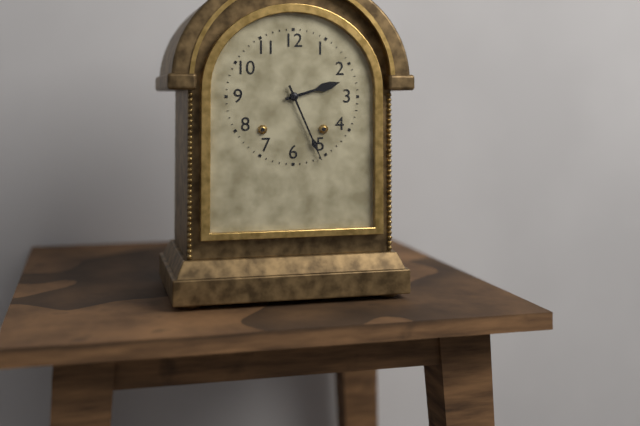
2:26
